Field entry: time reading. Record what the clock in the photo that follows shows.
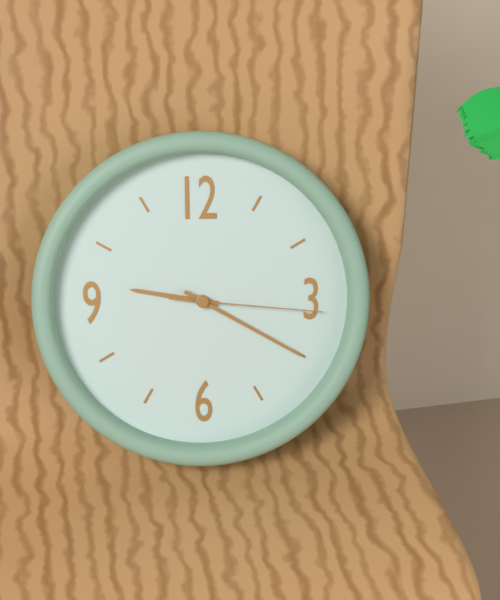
9:20:16
